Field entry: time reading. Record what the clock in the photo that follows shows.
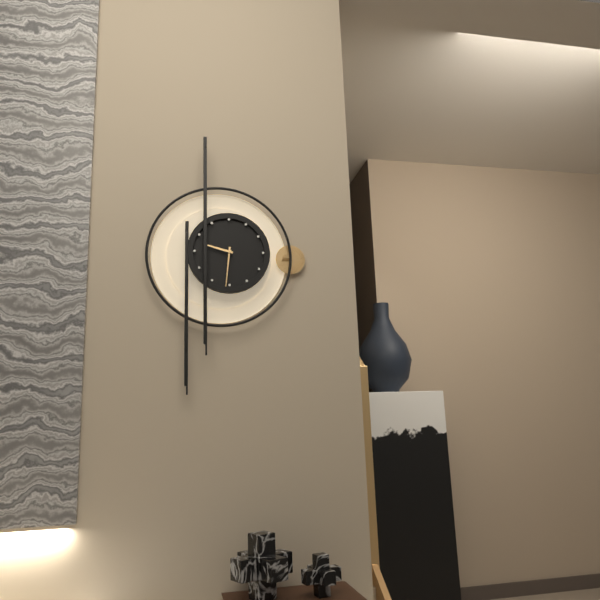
9:31
